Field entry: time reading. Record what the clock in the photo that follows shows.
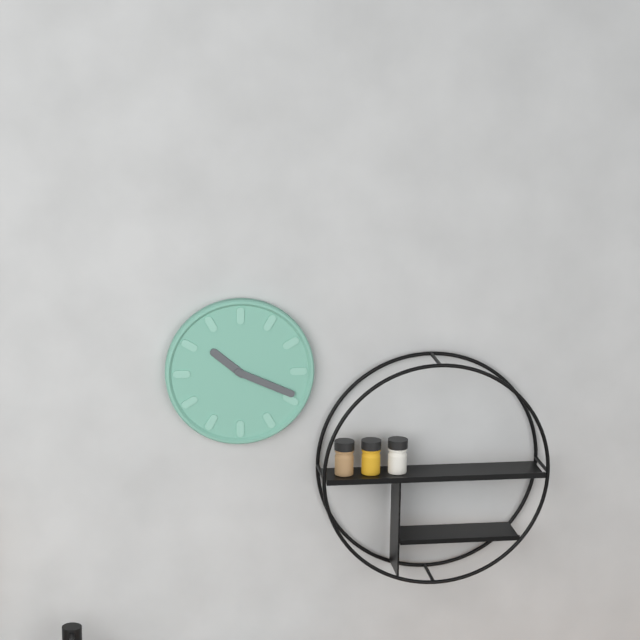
10:19
